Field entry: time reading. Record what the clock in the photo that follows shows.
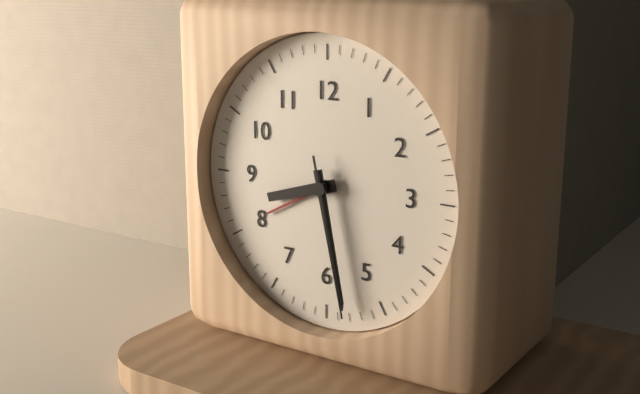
8:28:28
